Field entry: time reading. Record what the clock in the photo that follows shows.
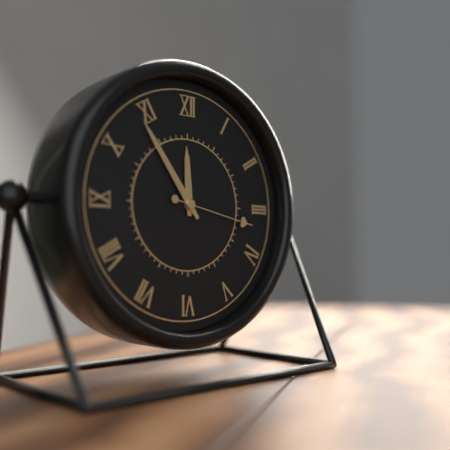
11:54:17
